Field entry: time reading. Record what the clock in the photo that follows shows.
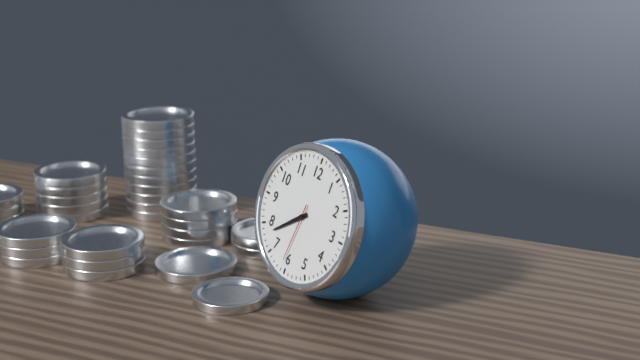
7:38:31
